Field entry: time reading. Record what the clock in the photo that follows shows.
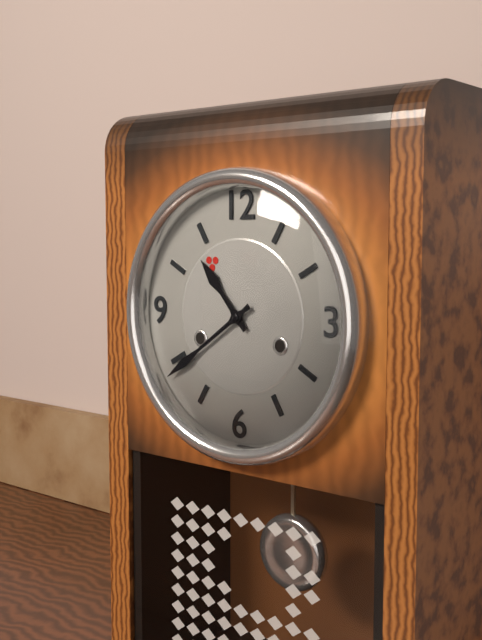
10:39
